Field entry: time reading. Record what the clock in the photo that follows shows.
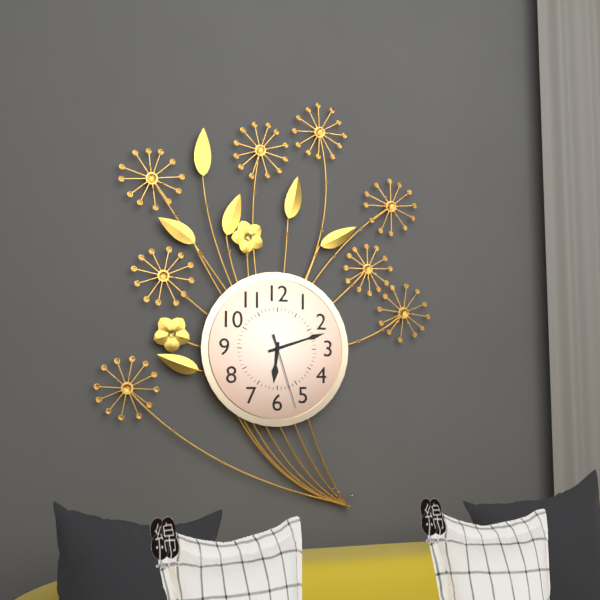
6:12:27
